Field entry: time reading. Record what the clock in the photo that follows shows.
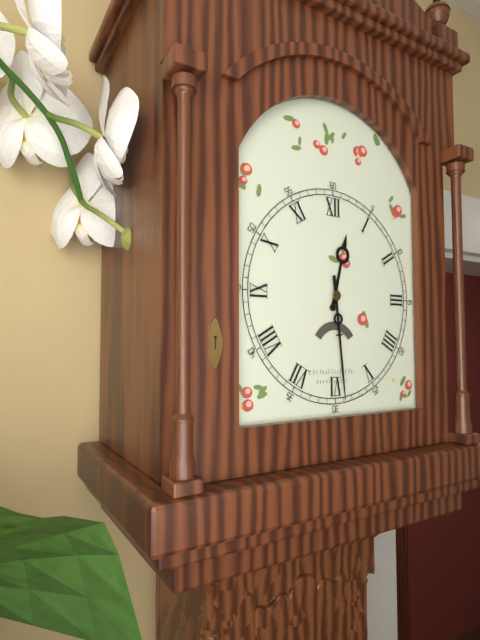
12:29
